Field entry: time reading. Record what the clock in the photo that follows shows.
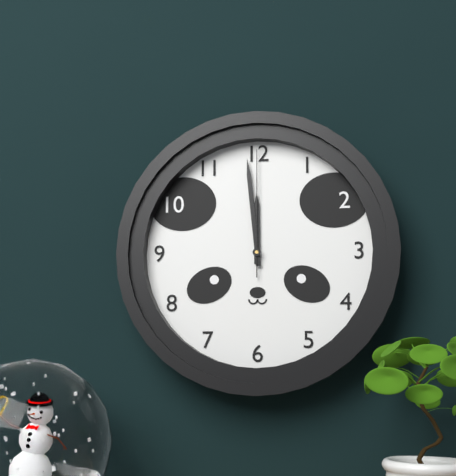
11:59:00
